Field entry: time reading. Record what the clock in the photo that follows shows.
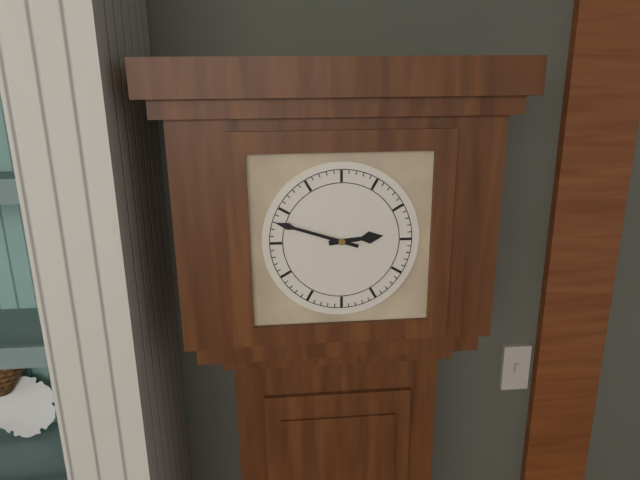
2:48
